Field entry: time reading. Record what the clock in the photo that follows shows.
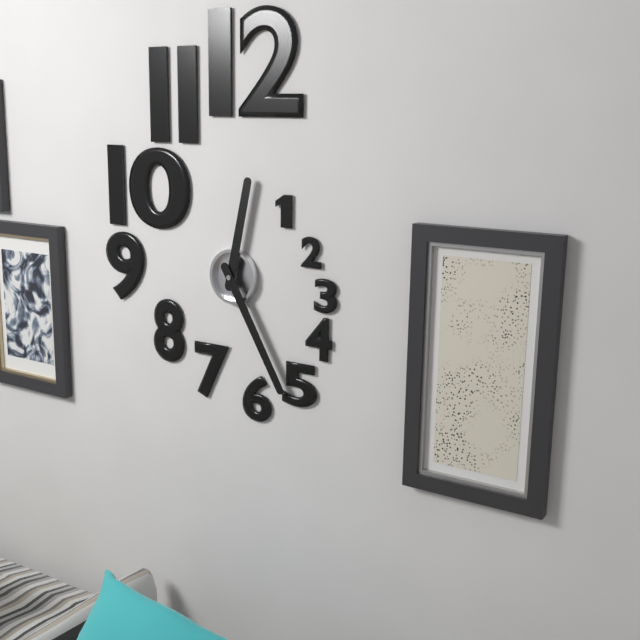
12:25
